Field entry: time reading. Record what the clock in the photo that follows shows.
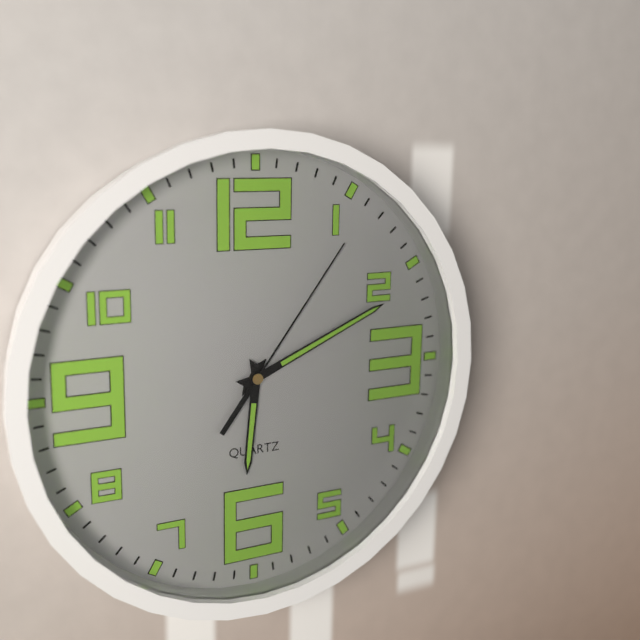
6:11:06
